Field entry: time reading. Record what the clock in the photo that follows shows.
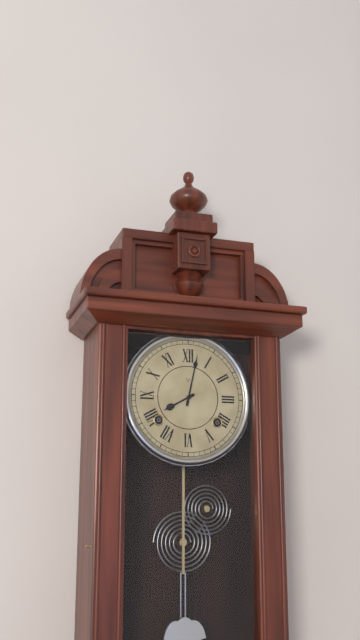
8:02
